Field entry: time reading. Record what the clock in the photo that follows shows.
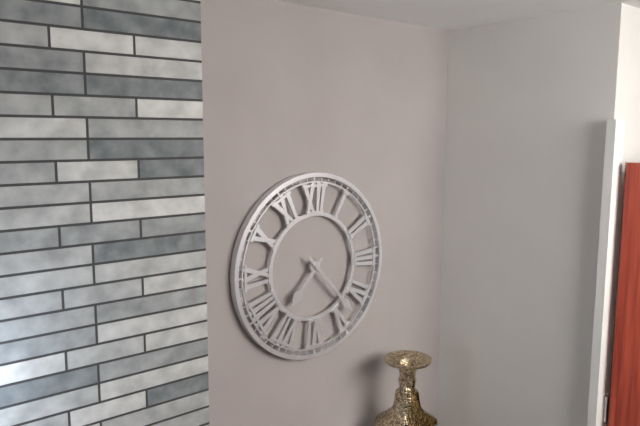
7:23
